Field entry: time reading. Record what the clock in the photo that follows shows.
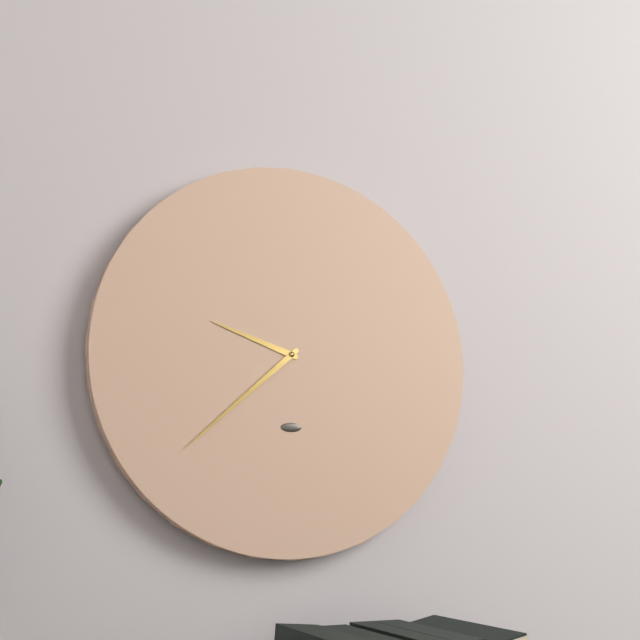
9:38
